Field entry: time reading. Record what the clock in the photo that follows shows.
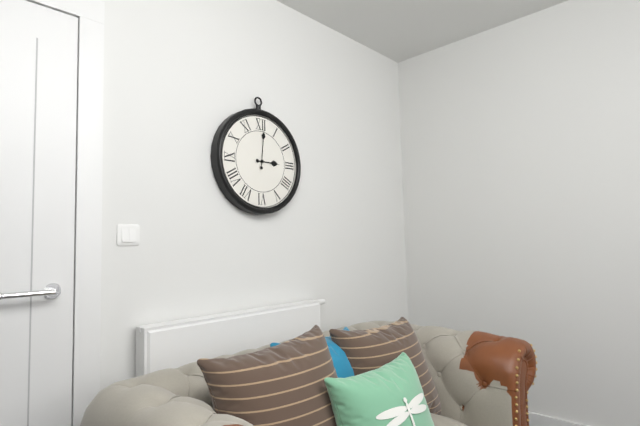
3:01
